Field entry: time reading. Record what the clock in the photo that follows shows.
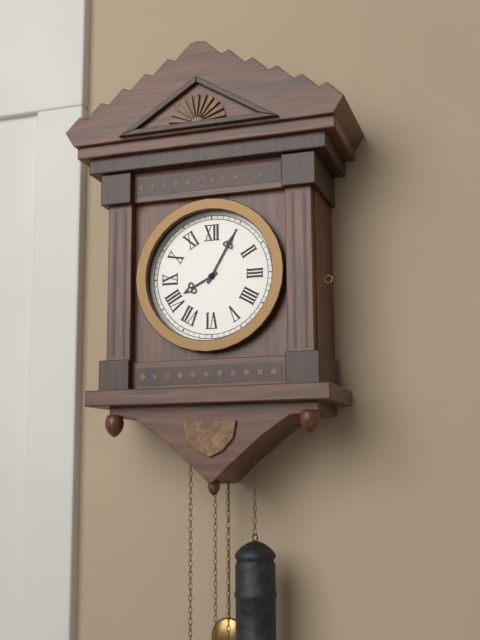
8:05
